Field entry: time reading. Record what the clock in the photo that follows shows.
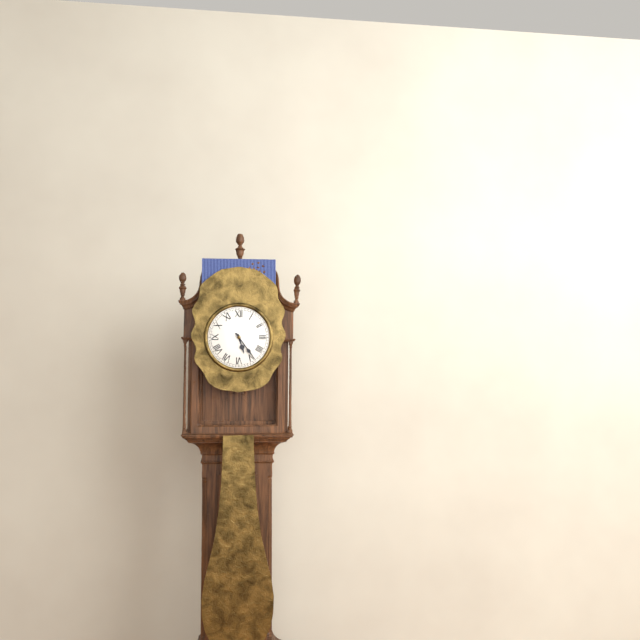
5:24
